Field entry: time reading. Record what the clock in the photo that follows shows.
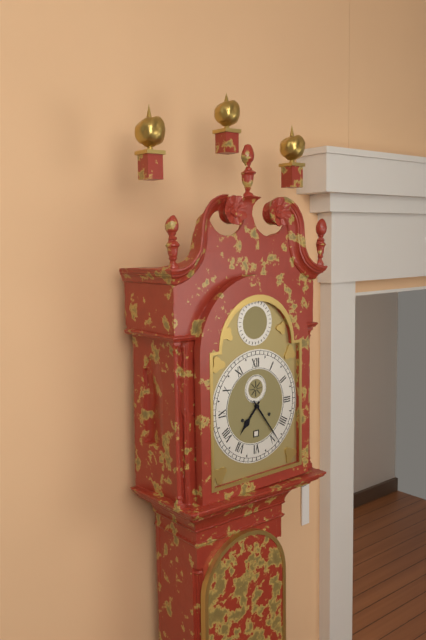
7:24
